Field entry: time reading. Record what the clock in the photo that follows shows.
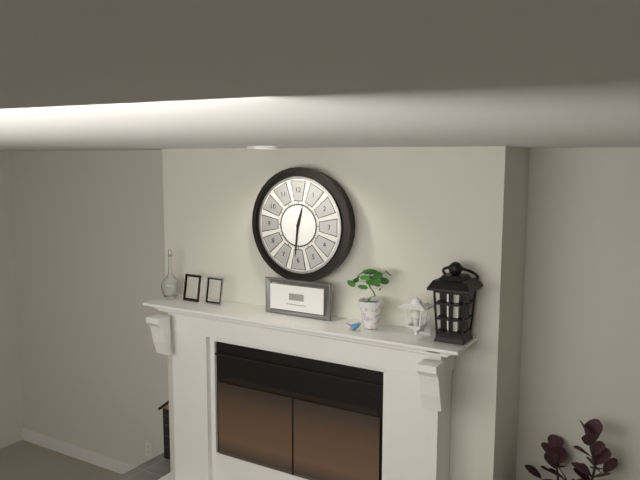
12:31
